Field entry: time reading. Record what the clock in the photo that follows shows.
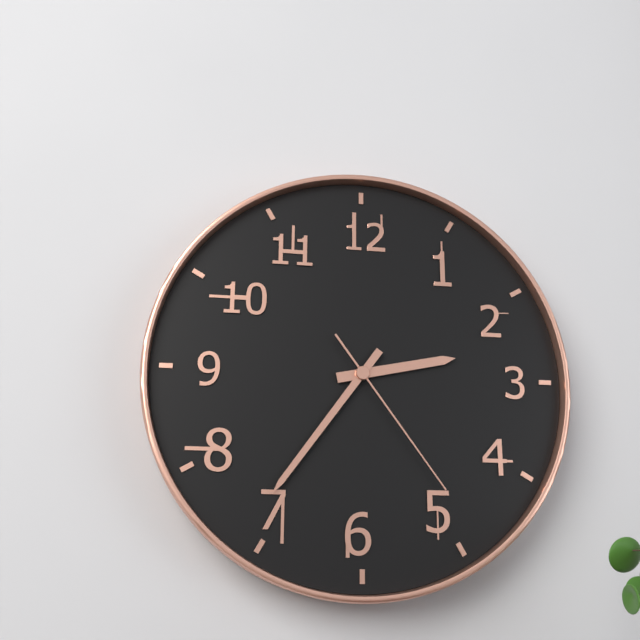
2:36:24
